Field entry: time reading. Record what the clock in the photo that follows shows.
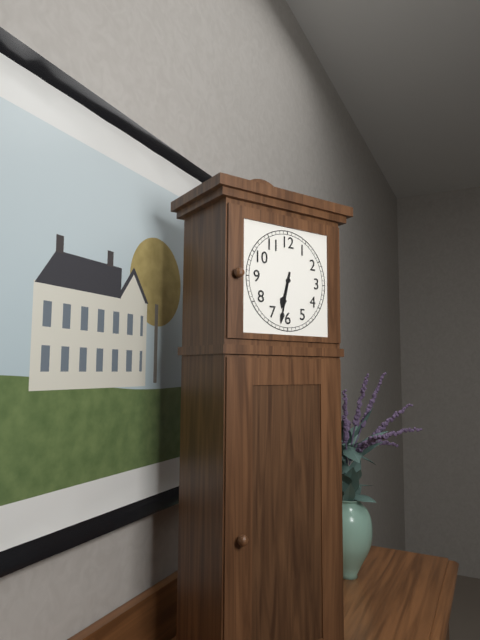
6:32
